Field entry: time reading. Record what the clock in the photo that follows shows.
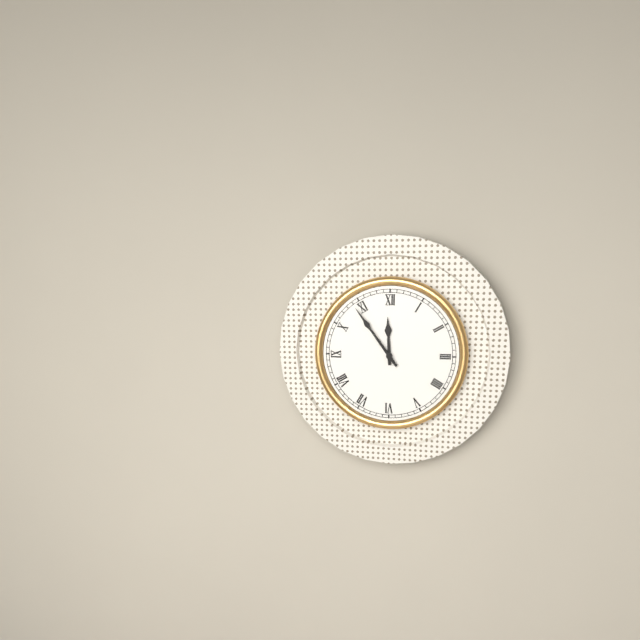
11:54
